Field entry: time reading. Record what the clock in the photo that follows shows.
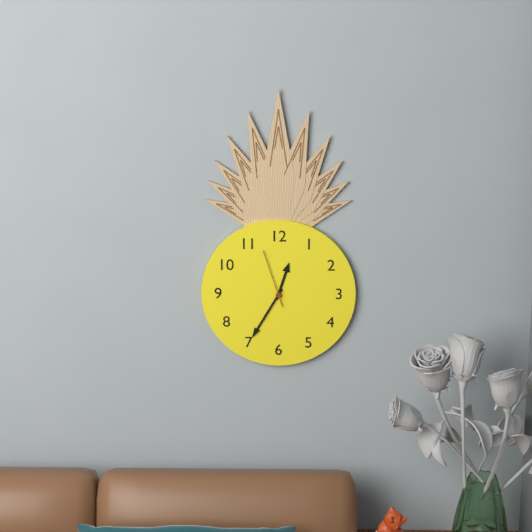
12:35:57
